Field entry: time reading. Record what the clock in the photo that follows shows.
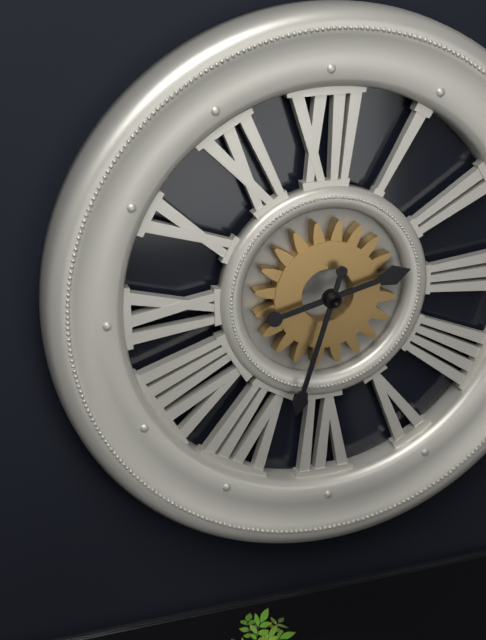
2:33
